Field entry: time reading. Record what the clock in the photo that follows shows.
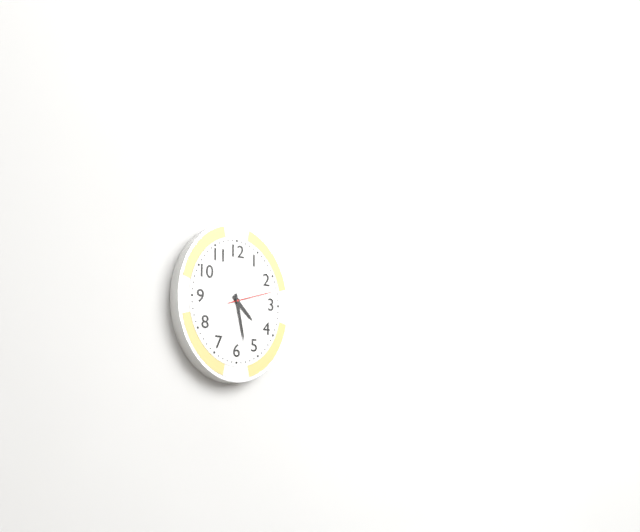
4:28
